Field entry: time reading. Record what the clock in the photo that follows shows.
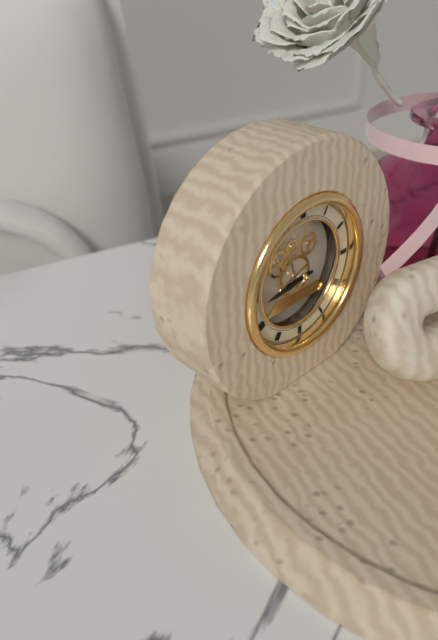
8:44
